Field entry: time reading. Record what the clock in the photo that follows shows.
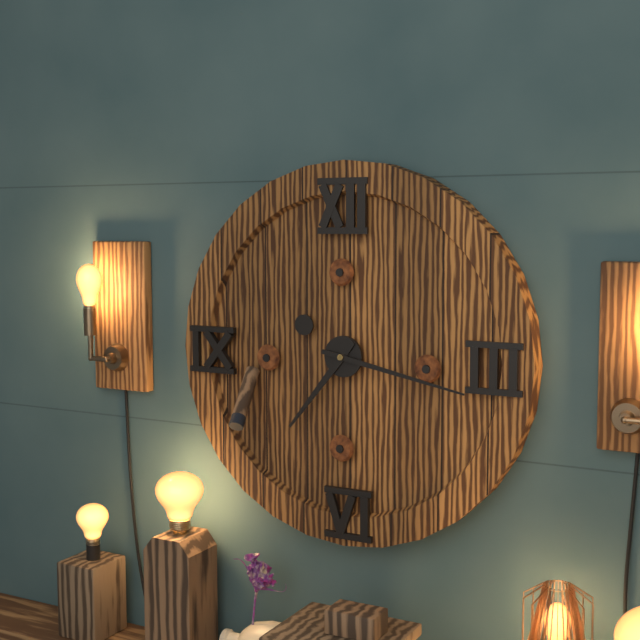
7:17
